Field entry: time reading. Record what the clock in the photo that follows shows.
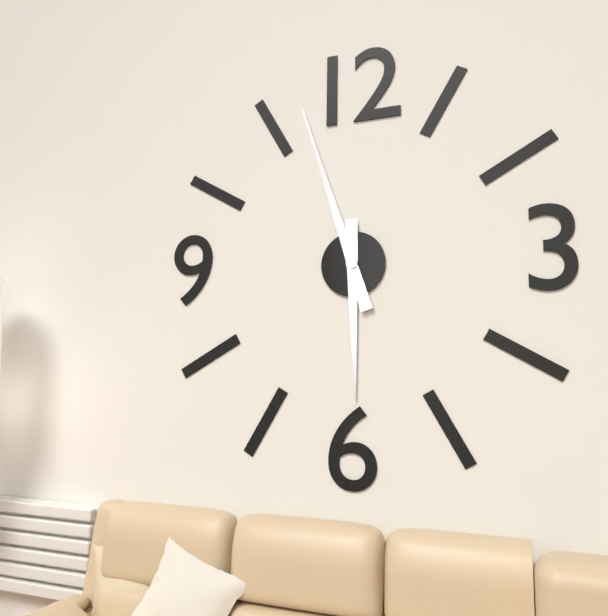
5:57
